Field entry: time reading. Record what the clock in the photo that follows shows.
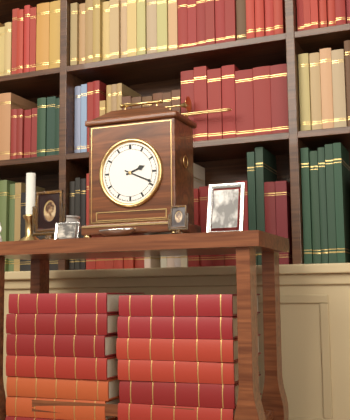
2:19
